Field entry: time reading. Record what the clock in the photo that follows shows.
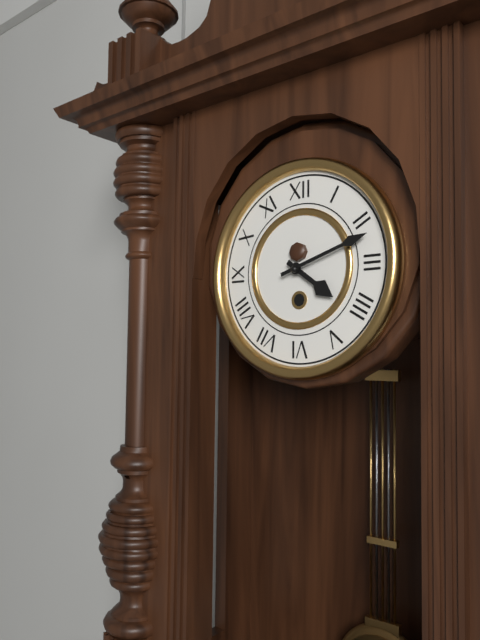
4:12
